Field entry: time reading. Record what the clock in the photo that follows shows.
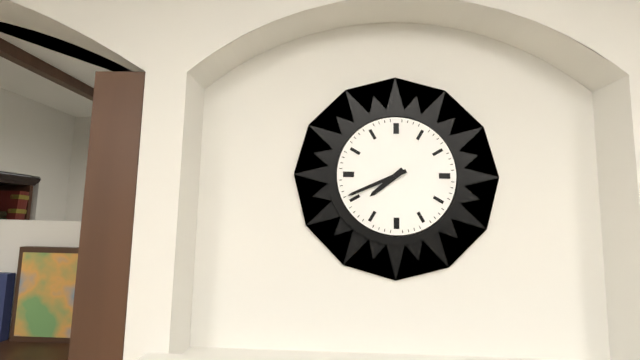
7:41
